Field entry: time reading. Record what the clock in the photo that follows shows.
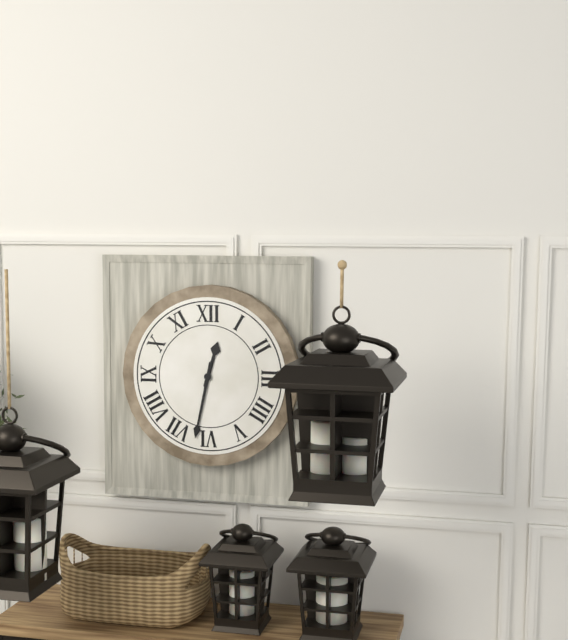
12:32
